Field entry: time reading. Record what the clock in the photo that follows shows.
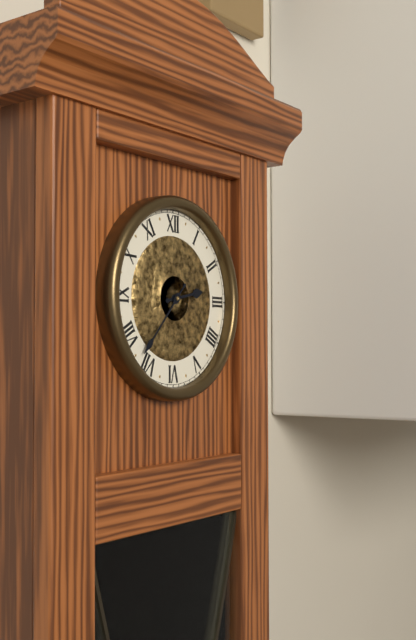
2:37
